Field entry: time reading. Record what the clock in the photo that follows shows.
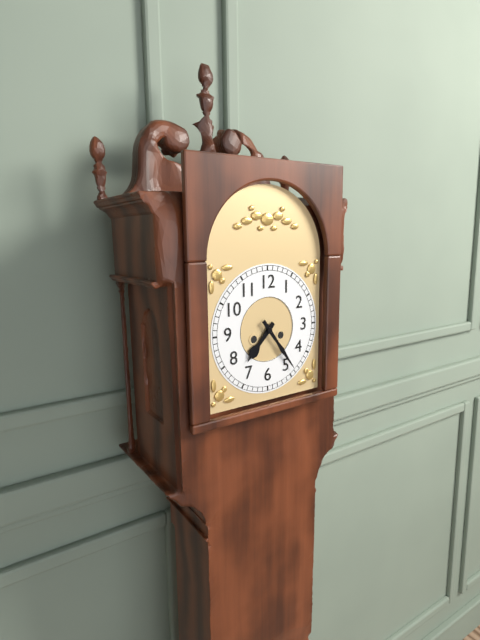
7:24
